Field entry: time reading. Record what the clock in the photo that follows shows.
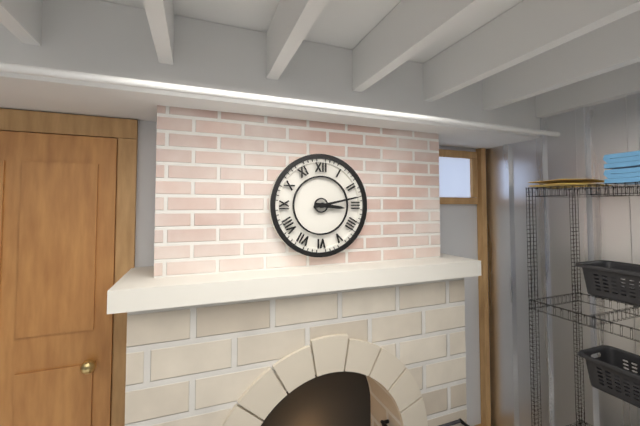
3:13
